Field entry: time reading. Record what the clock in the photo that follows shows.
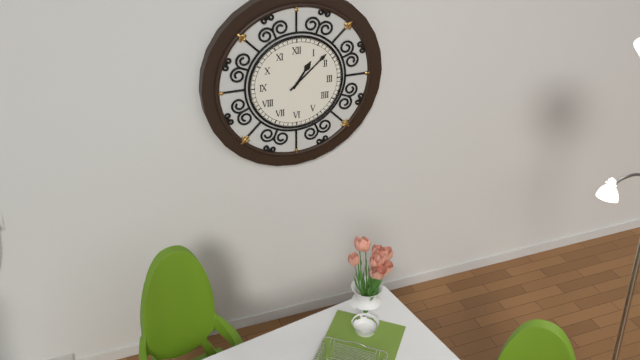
1:08
